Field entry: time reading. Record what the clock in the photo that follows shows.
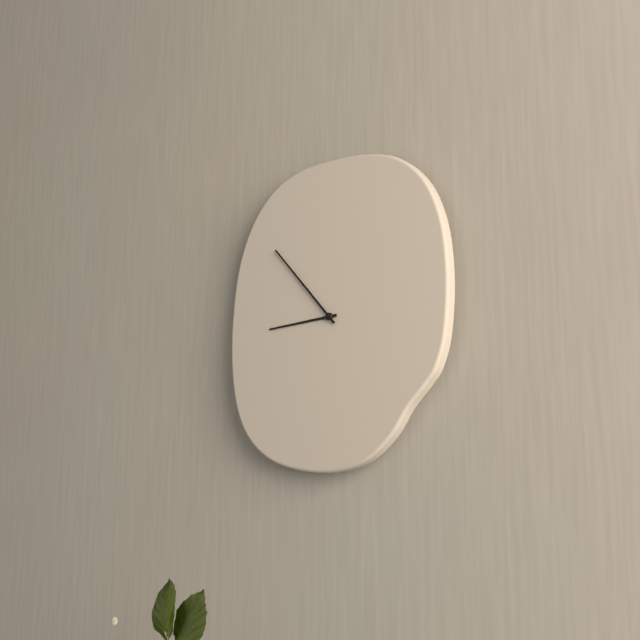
8:53
